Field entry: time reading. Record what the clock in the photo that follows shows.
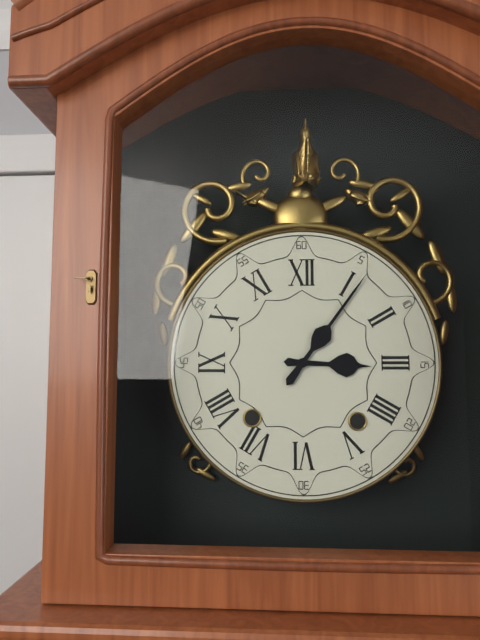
3:06
